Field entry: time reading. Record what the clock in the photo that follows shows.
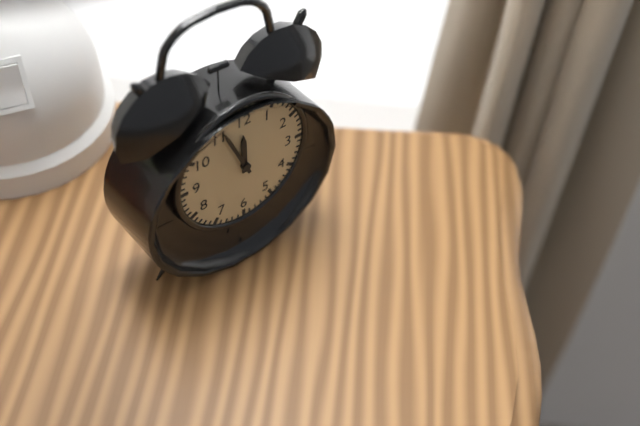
11:56
